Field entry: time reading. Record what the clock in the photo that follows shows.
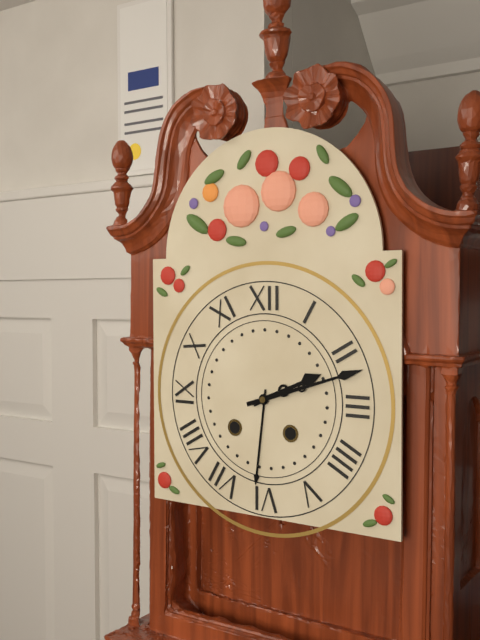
2:12
